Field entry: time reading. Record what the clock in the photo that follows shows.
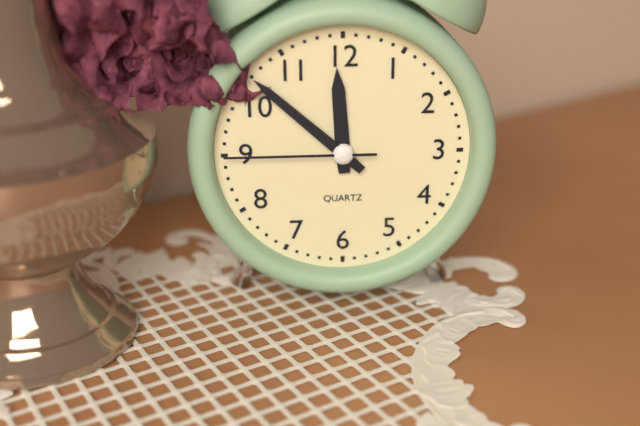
11:52:45
